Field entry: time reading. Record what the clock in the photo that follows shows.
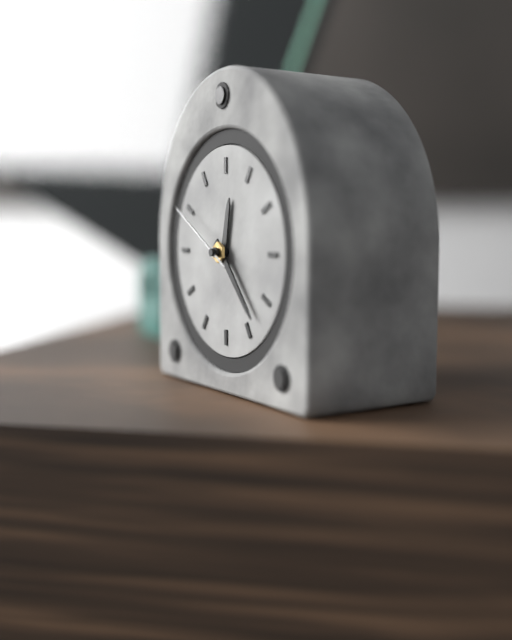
12:23:50
